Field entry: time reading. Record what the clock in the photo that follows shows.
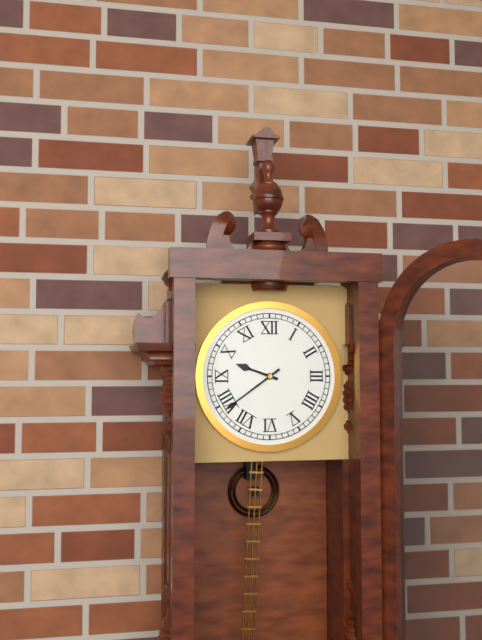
9:39
